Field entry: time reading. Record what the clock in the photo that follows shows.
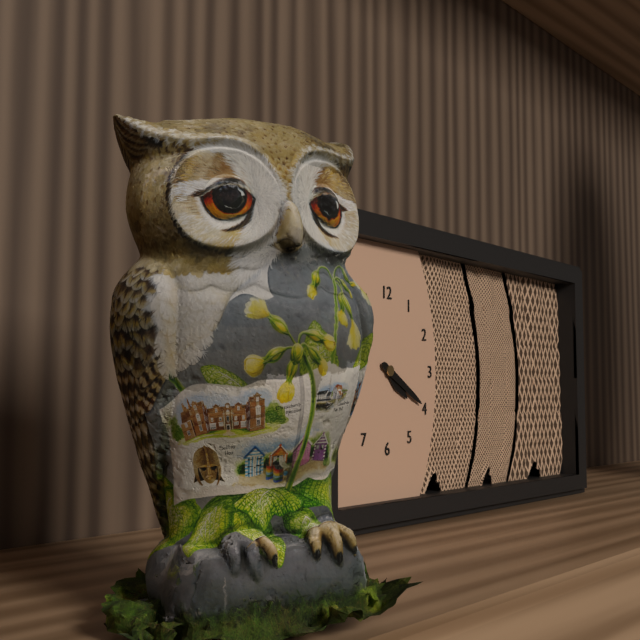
4:20
